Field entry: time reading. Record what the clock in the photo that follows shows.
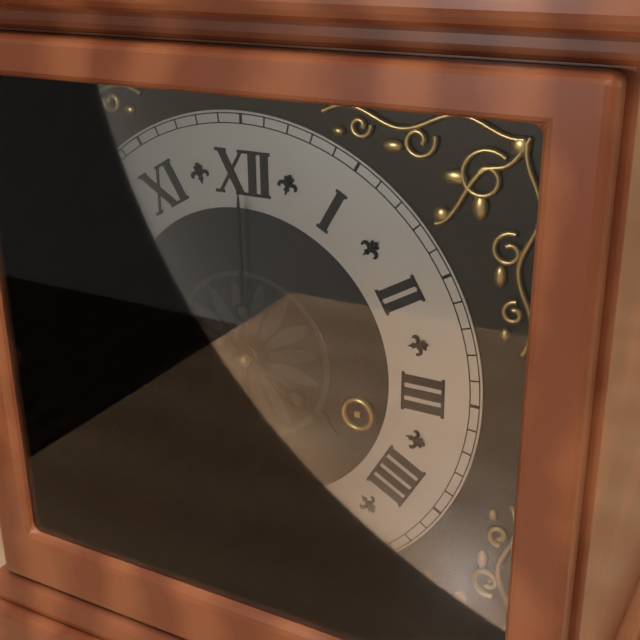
4:00
